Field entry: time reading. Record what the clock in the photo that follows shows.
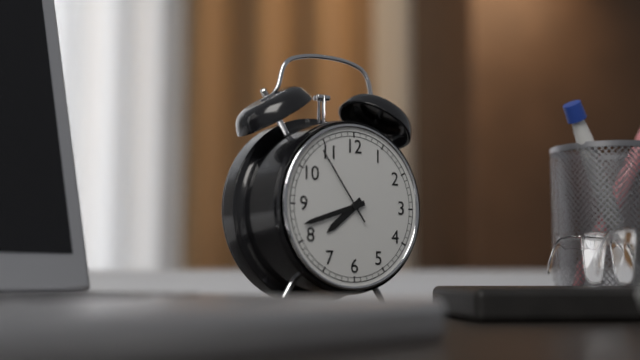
7:42:54
